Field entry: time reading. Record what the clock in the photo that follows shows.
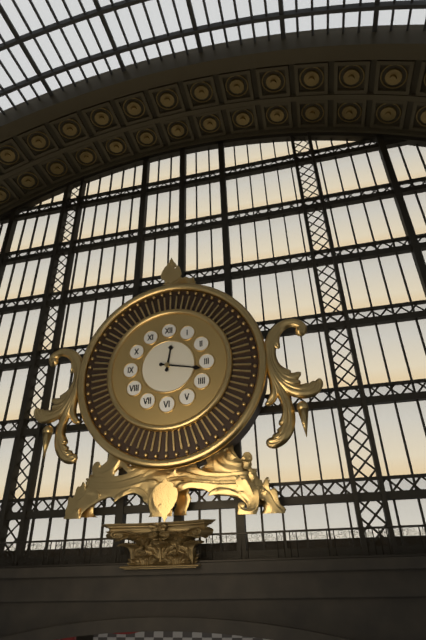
12:17
